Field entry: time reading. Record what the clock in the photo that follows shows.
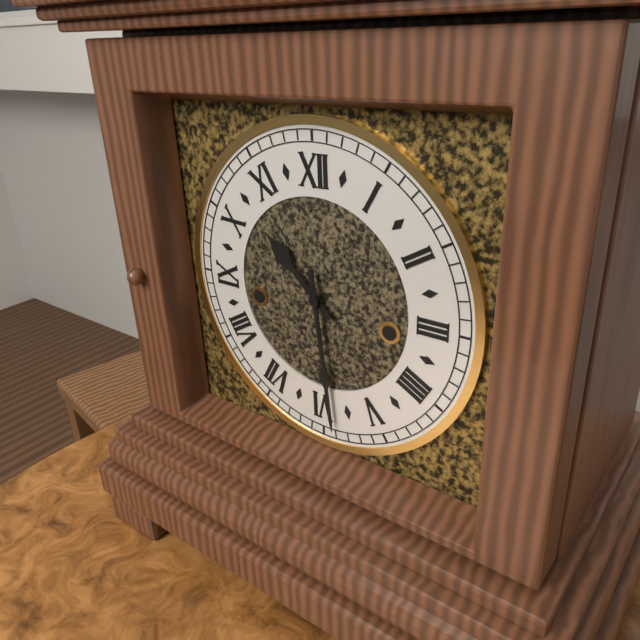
10:29
